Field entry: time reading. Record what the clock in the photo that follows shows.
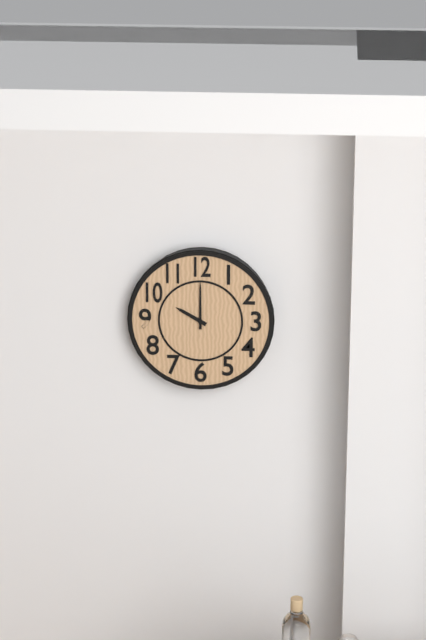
10:00
